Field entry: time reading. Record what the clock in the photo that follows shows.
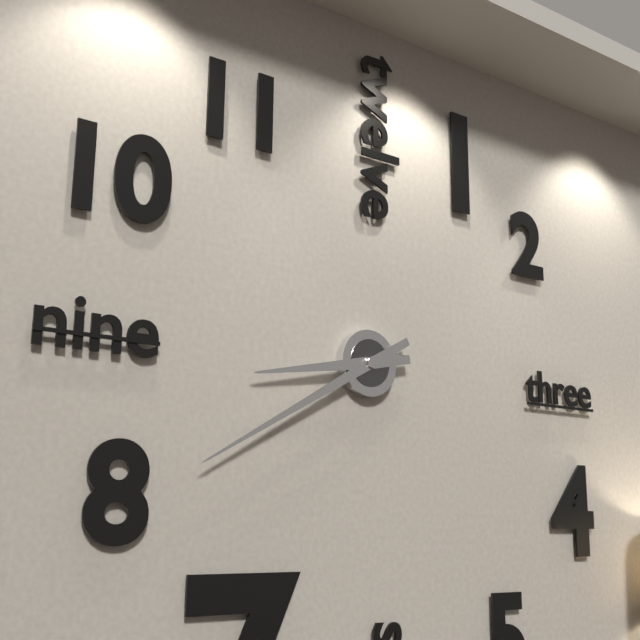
8:40
